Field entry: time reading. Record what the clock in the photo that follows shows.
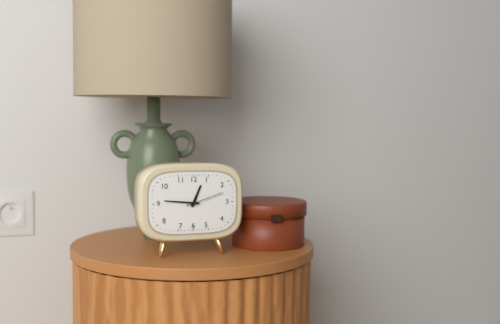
12:46
